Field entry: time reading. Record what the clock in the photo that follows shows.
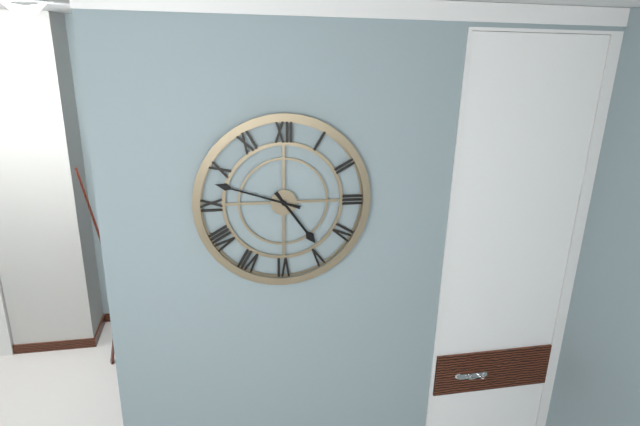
4:48
